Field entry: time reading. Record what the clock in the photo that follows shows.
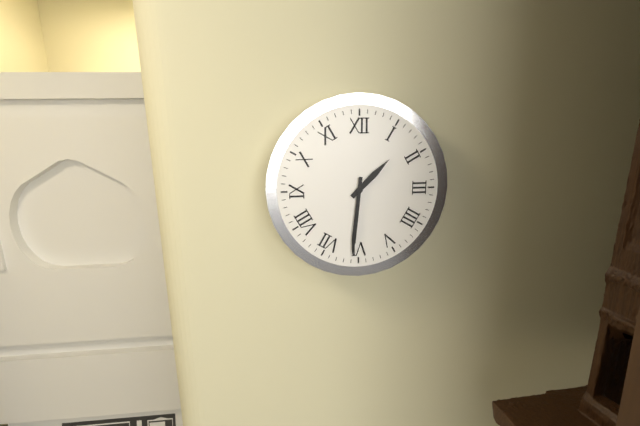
1:31
